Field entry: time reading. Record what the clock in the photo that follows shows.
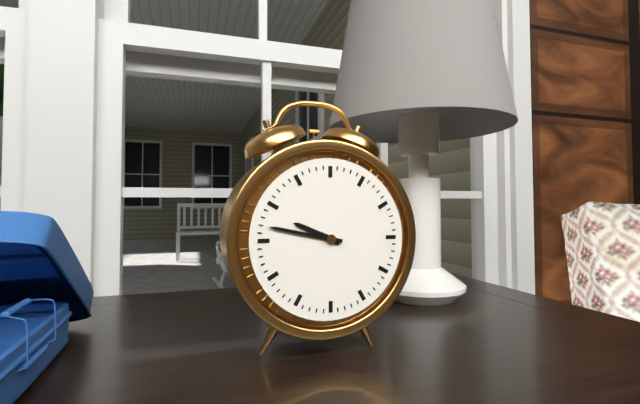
9:47
